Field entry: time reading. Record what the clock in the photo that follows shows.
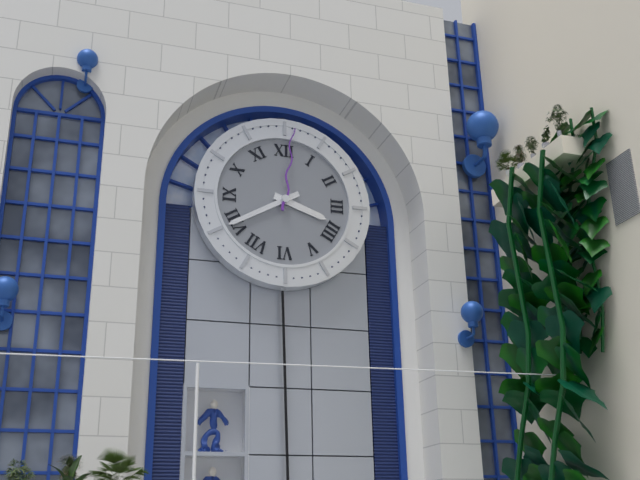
3:40:01
